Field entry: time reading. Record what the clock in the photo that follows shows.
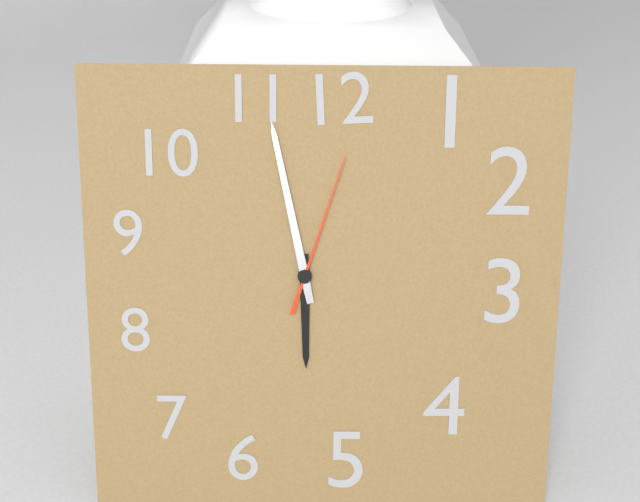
5:58:03
